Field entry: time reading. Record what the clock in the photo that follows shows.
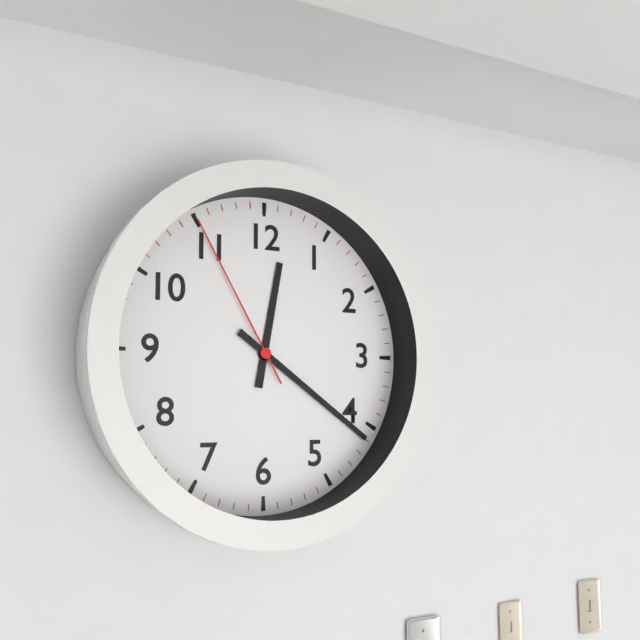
12:21:55
